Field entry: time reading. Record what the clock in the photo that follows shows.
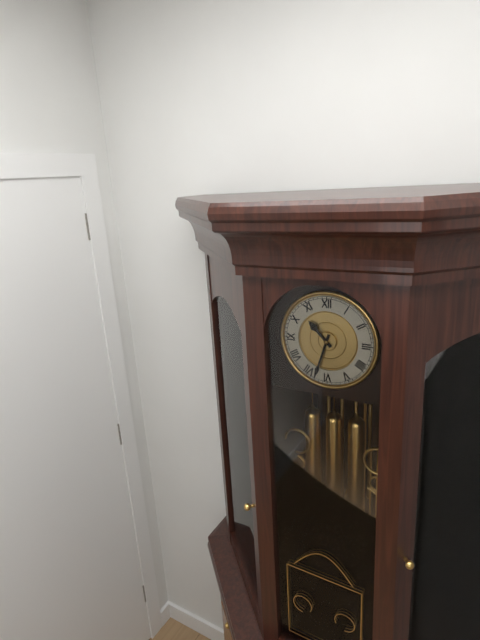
10:33
